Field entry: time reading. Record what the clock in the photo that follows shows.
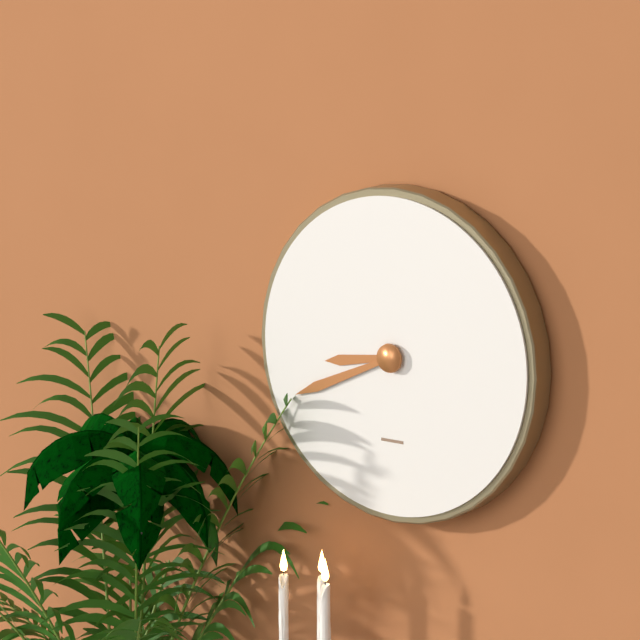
8:41
